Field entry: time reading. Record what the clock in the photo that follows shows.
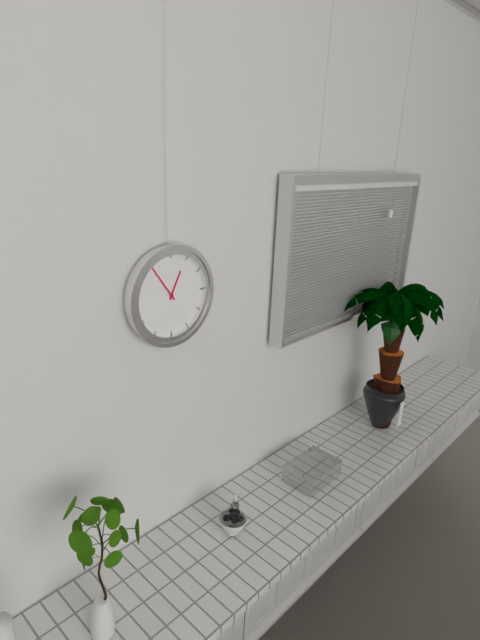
12:54
